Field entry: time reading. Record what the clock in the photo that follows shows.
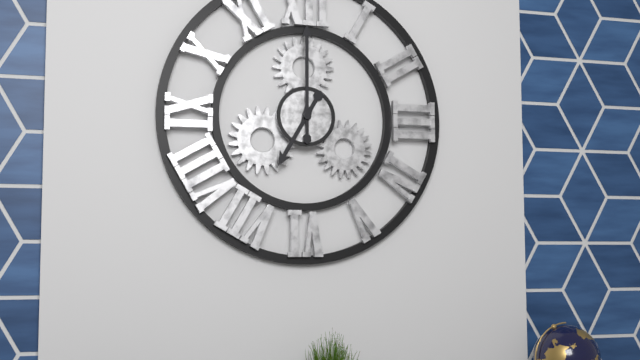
7:00
